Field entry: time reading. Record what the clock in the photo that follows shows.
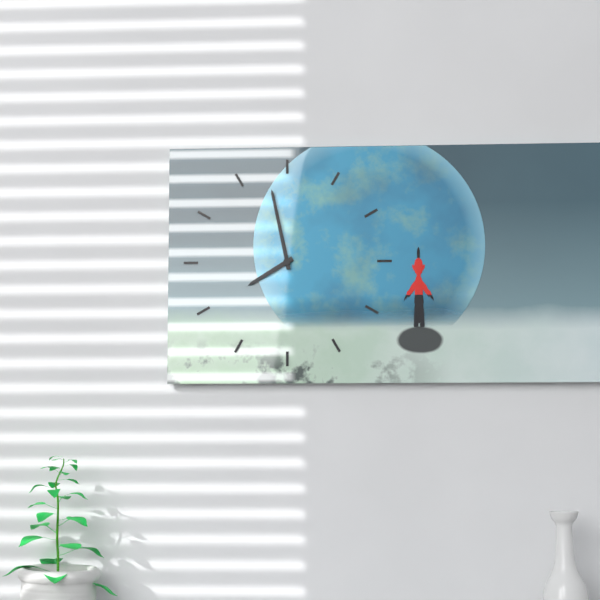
7:58
